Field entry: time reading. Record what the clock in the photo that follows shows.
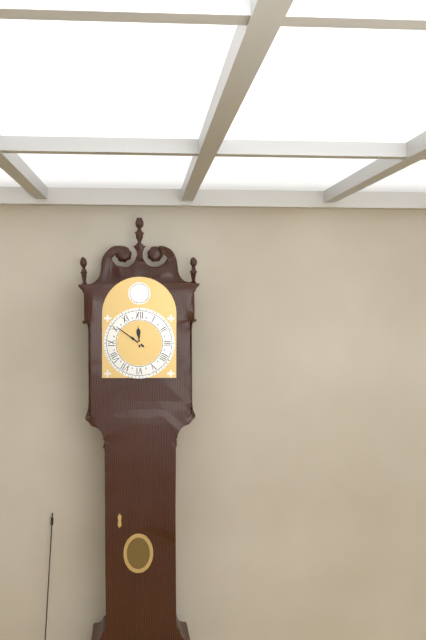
11:51
